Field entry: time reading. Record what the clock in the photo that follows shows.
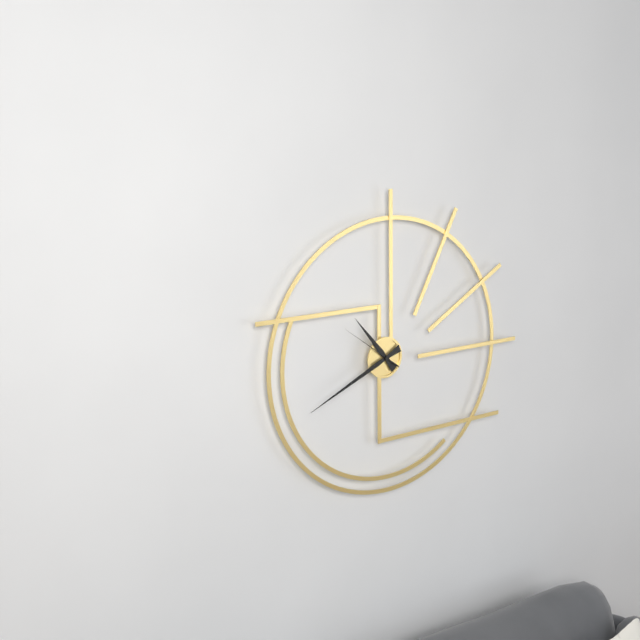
10:41:51
